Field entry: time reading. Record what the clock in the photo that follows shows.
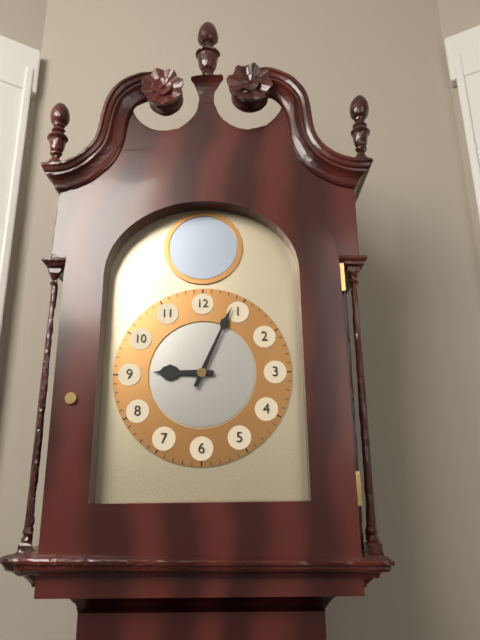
9:04
